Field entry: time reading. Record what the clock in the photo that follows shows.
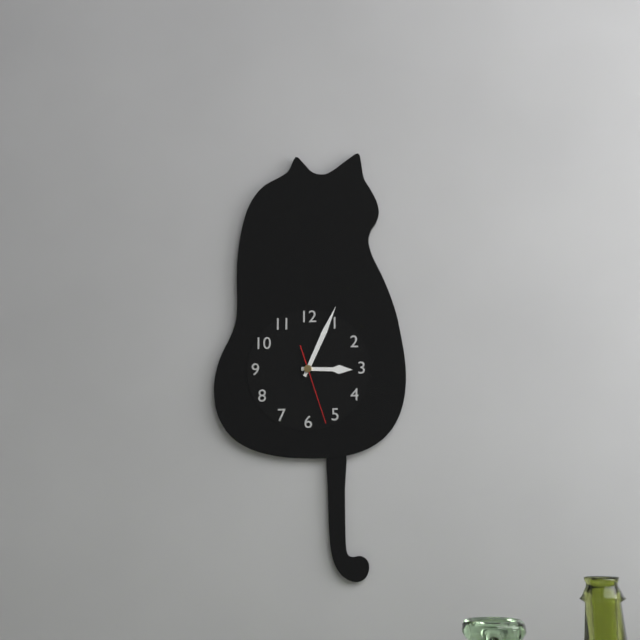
3:04:27
